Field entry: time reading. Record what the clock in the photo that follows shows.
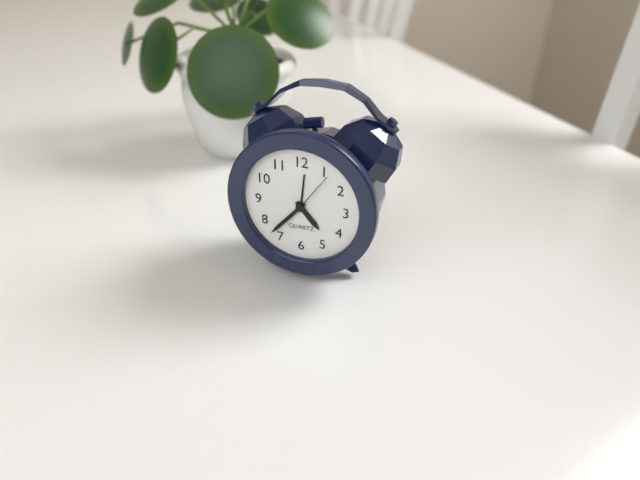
4:37:06
